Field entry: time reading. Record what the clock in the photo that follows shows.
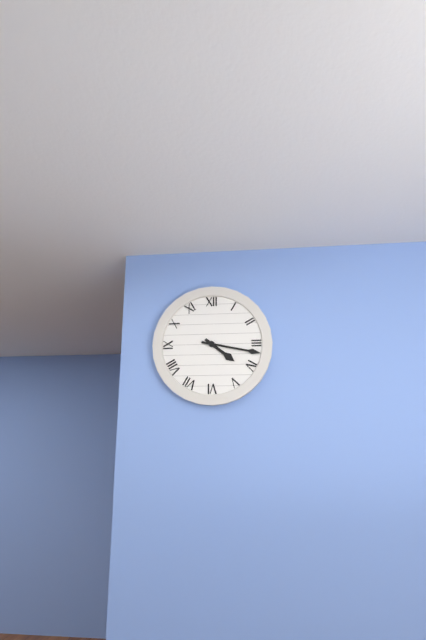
4:17
